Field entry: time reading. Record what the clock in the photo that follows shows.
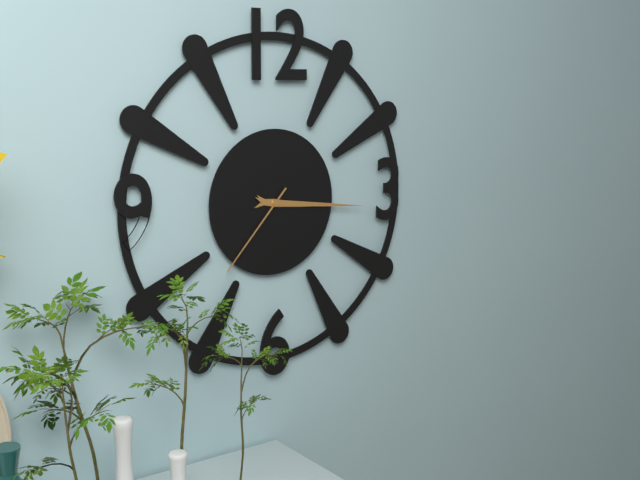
3:16:37
